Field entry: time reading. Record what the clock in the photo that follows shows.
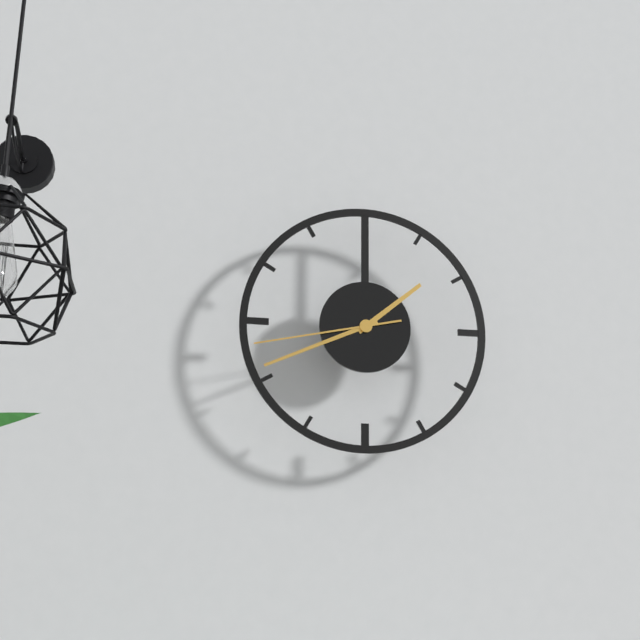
1:41:43
